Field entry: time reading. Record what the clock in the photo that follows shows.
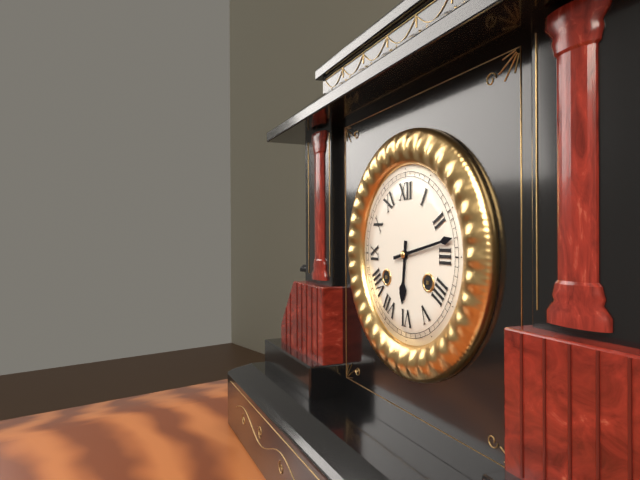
6:13
